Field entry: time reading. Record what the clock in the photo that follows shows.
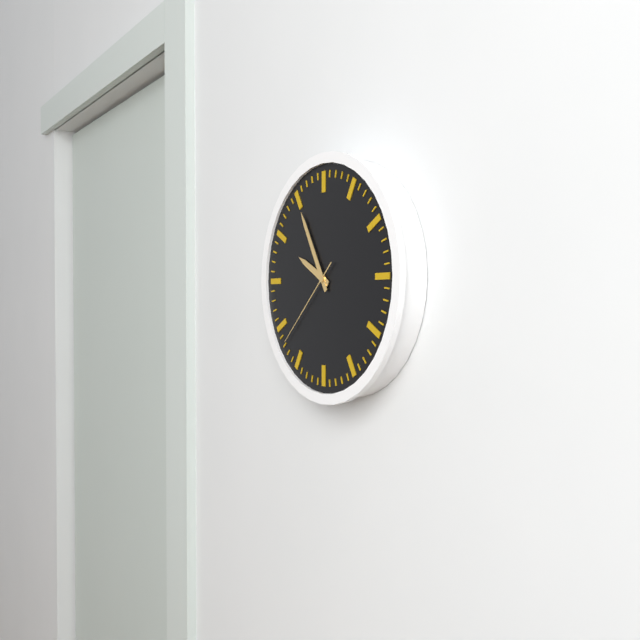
9:55:38
